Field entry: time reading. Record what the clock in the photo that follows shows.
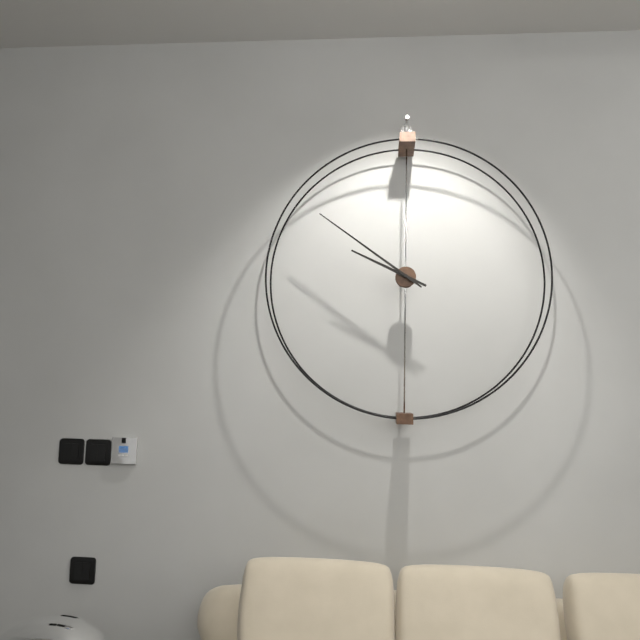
9:51
